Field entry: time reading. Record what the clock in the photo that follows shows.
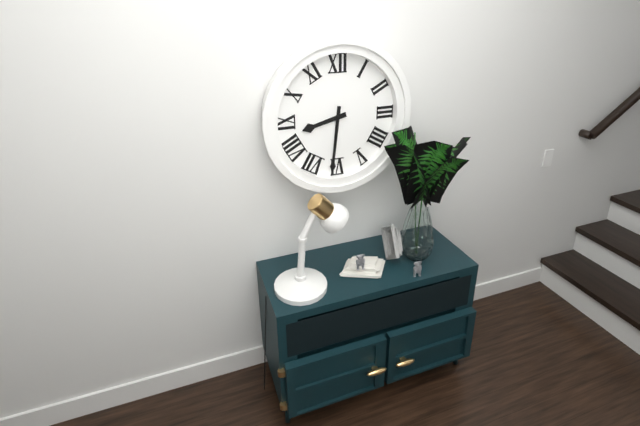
8:31
